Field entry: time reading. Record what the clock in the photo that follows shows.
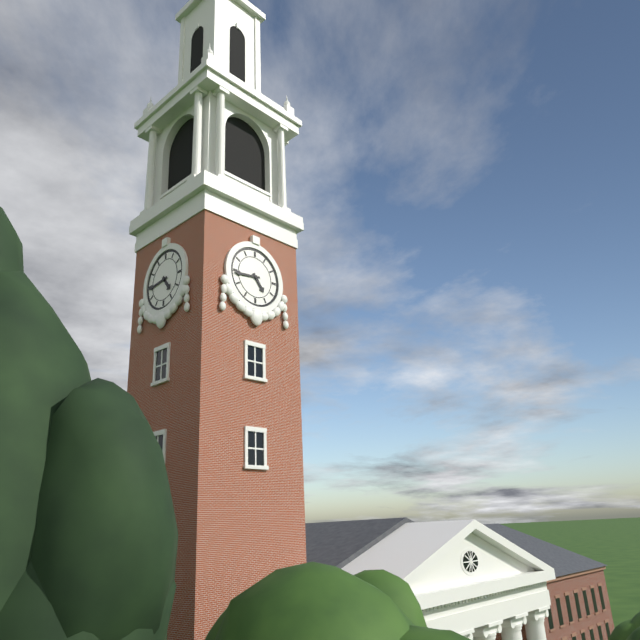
4:44
